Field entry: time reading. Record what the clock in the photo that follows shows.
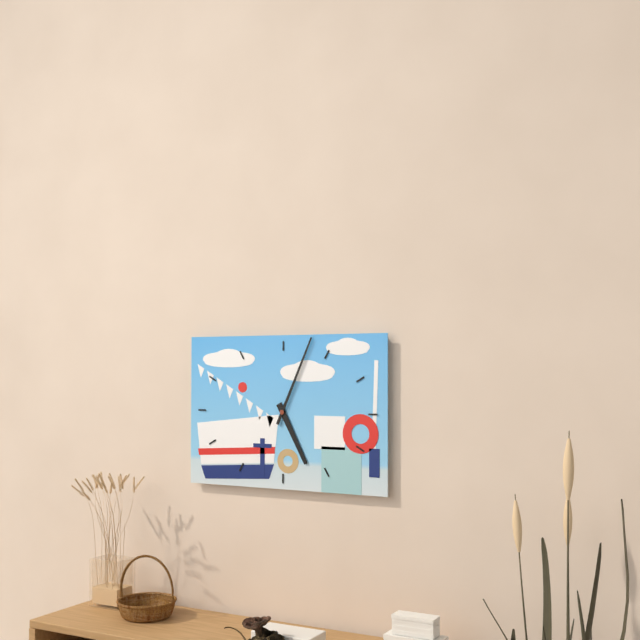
5:04
